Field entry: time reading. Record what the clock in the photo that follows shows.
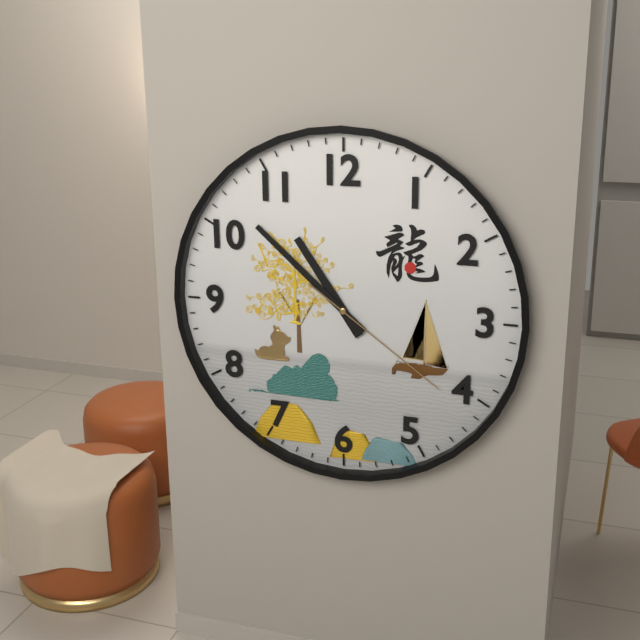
10:52:21
